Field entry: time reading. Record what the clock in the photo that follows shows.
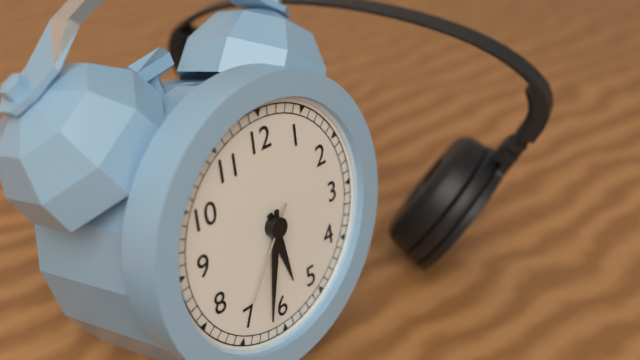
5:32:36
